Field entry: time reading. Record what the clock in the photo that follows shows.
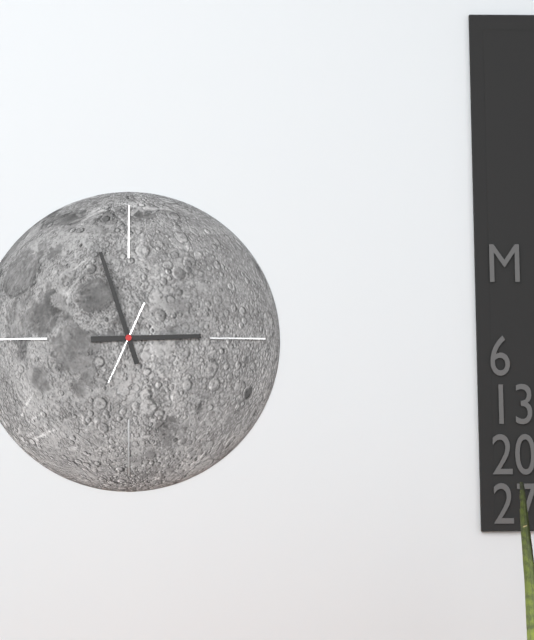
2:57:34
